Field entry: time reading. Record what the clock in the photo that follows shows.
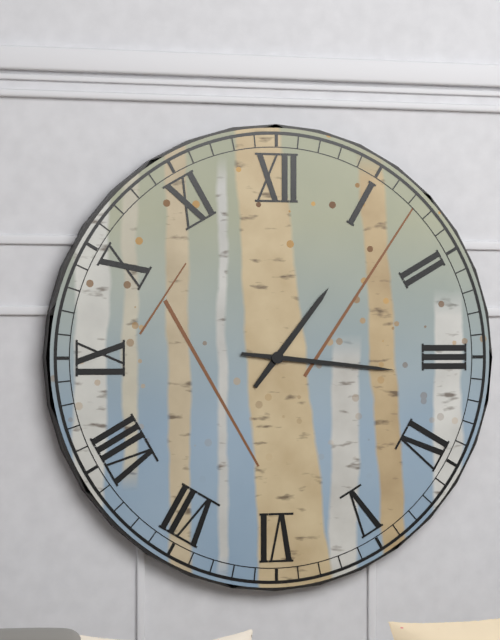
1:16
